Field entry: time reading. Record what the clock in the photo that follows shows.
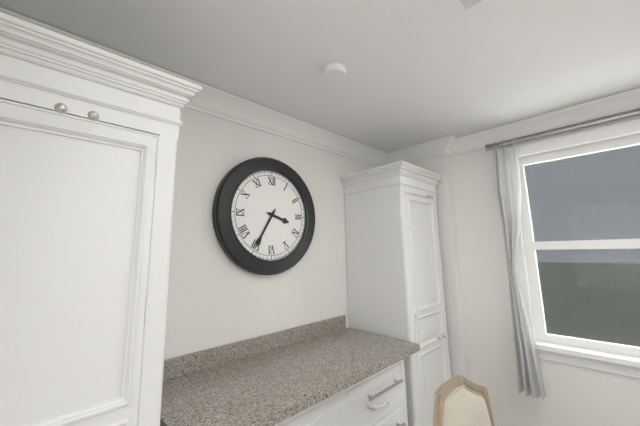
3:35
